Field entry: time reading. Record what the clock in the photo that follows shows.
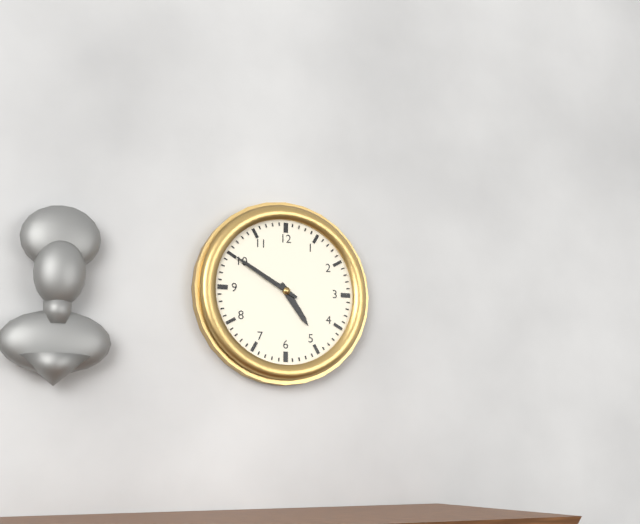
4:50
